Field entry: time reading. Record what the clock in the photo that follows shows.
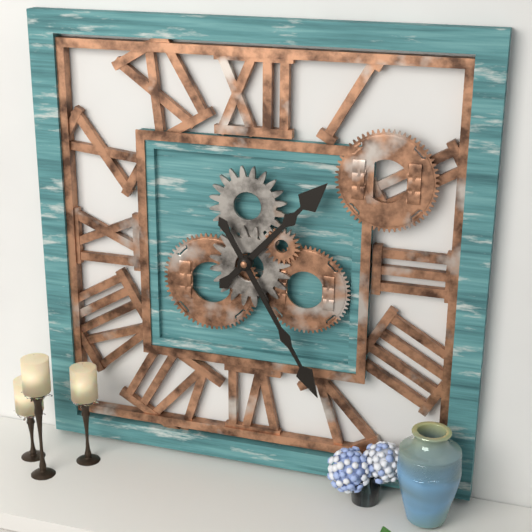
1:25
